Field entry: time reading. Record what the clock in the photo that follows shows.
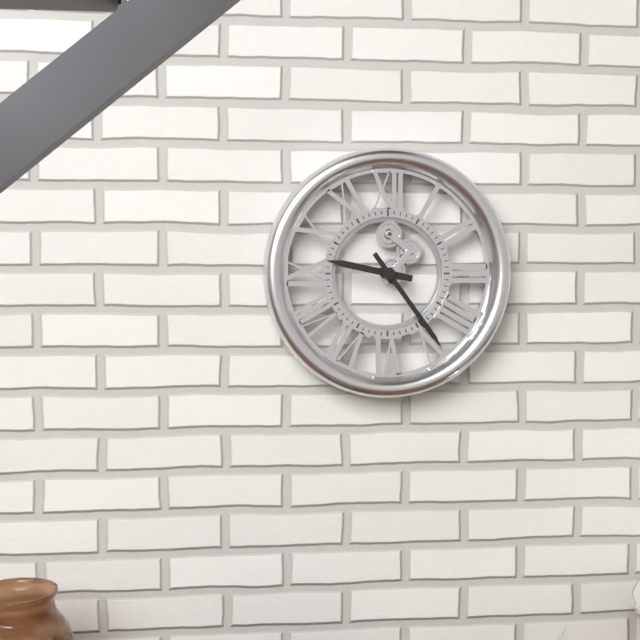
9:24
